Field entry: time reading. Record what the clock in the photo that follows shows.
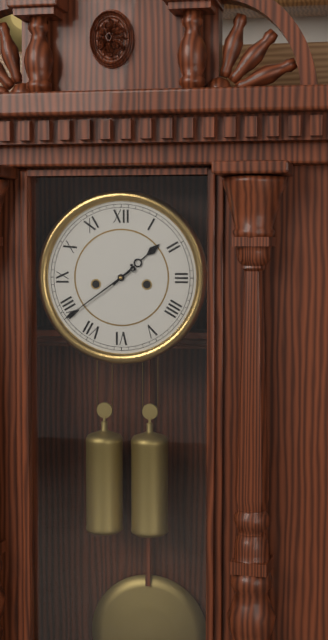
1:39
